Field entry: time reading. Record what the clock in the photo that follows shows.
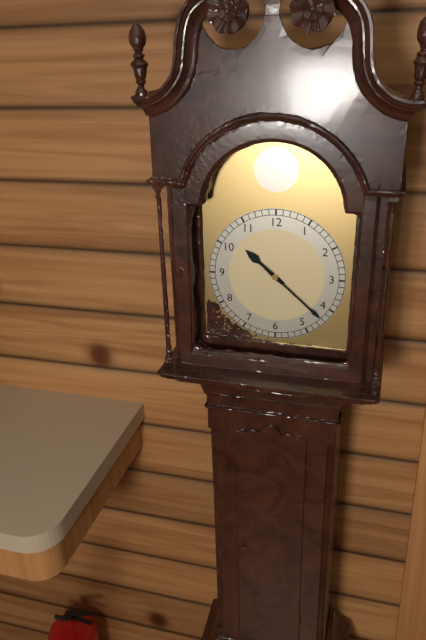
10:22
